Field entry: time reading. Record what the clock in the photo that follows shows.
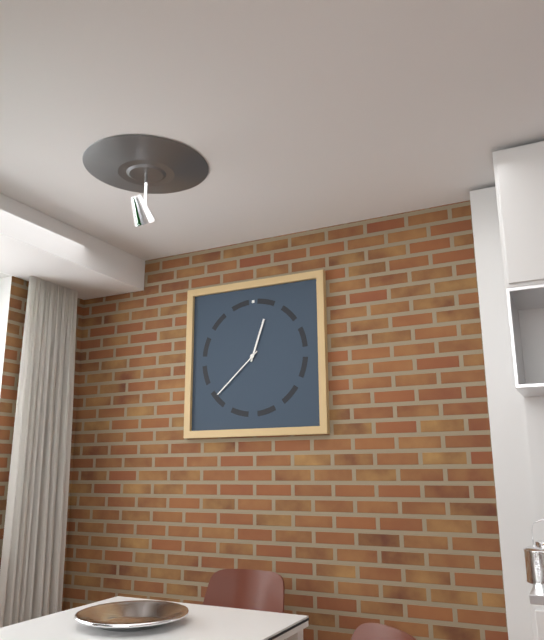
12:38
